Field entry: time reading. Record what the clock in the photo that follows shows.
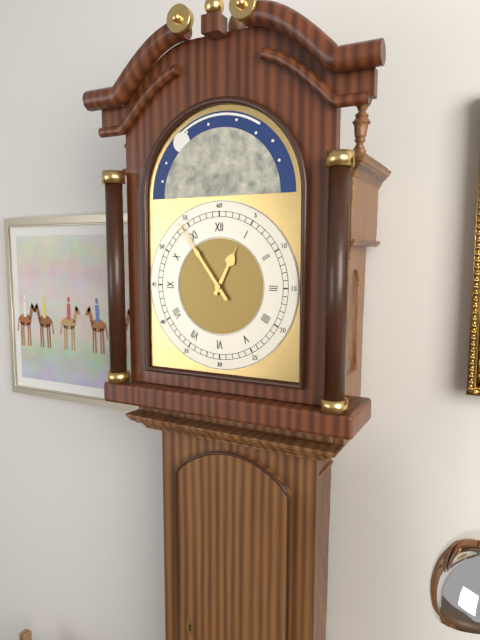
12:54
